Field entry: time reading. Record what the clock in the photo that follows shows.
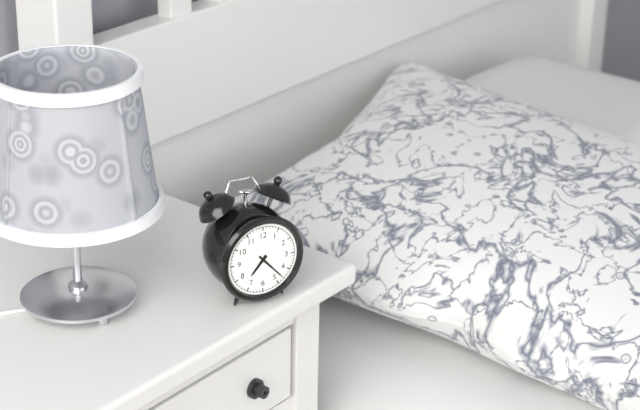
7:23
